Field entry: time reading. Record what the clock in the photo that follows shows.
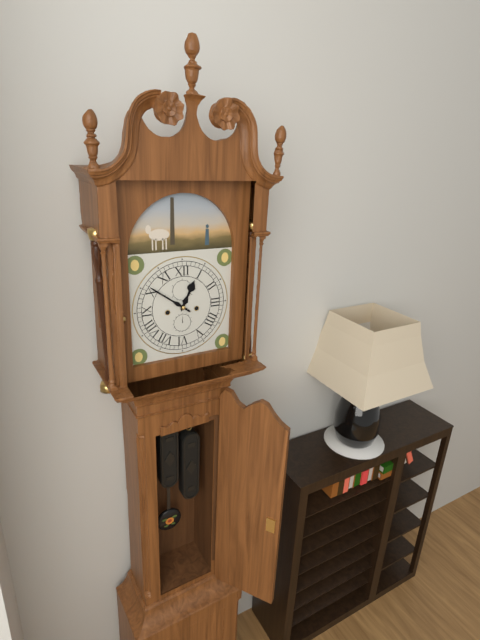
12:51
